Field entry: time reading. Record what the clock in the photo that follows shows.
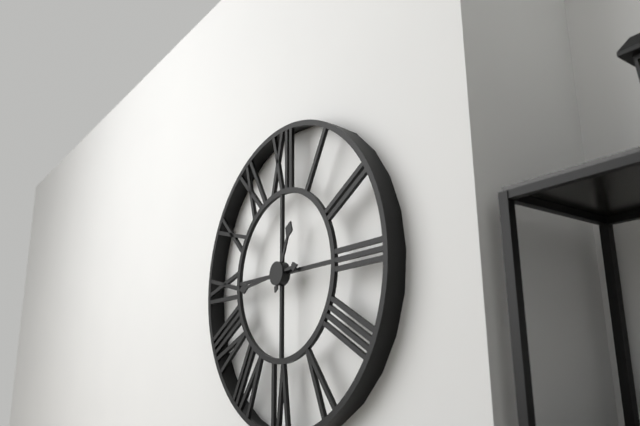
12:44
